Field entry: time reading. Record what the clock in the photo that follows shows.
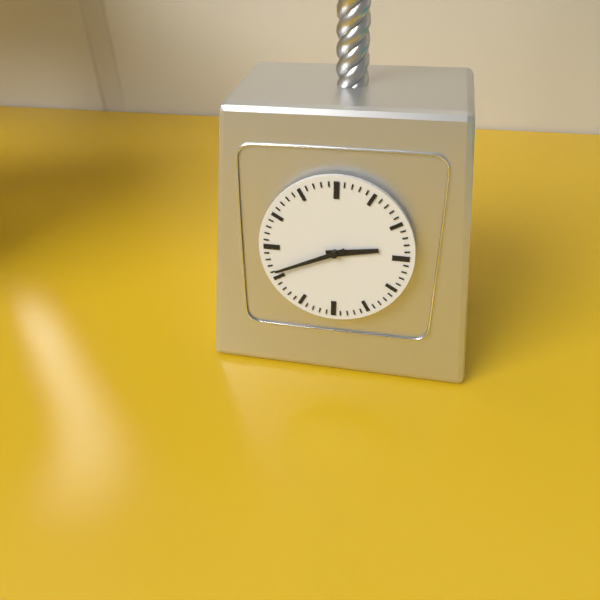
2:41
